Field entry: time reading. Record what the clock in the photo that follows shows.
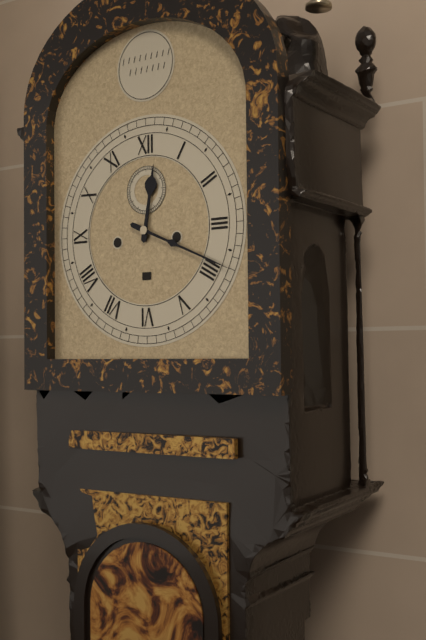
12:19
